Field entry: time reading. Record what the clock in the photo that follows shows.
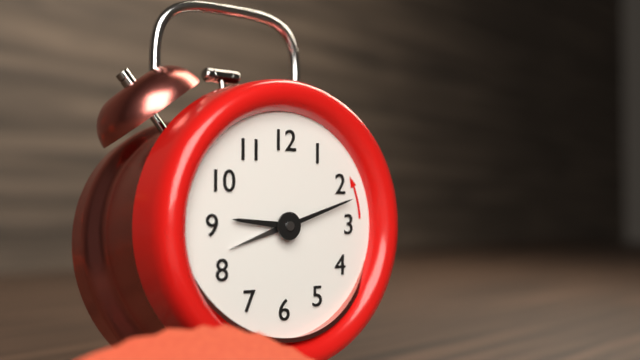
9:12:42
